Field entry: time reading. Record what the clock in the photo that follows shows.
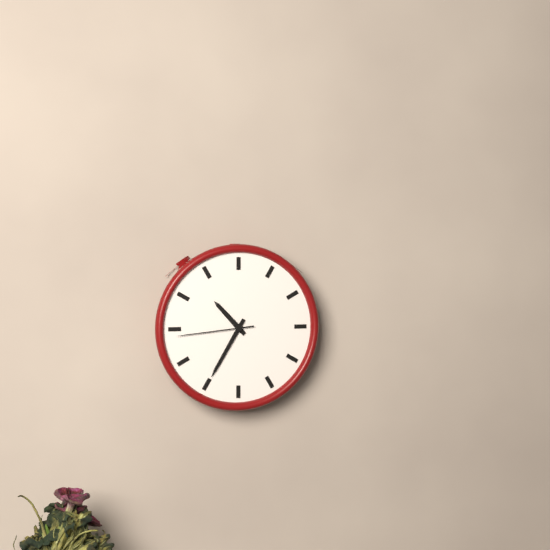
10:35:44
